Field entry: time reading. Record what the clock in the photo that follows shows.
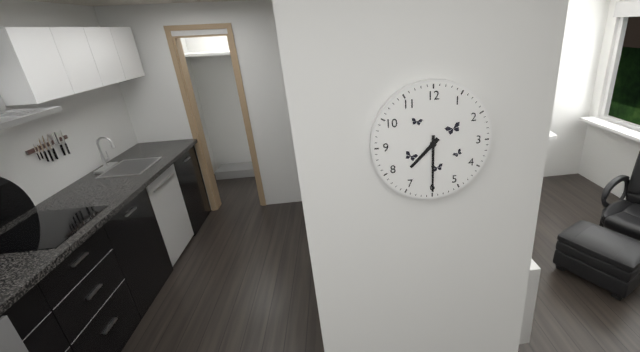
7:30
